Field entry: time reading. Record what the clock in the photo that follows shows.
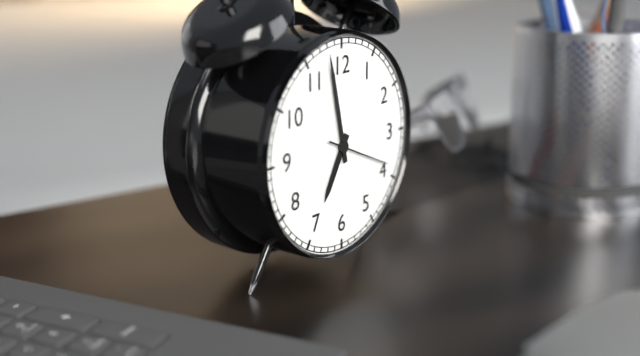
6:58:19
